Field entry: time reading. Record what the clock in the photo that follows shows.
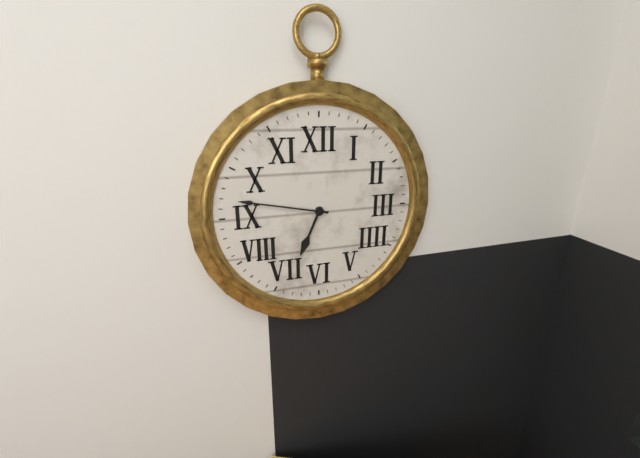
6:47
